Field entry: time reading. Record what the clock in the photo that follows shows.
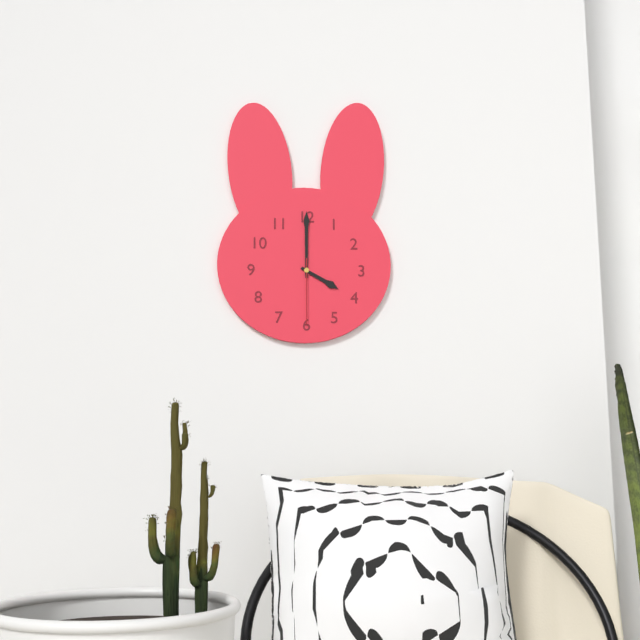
4:00:30
